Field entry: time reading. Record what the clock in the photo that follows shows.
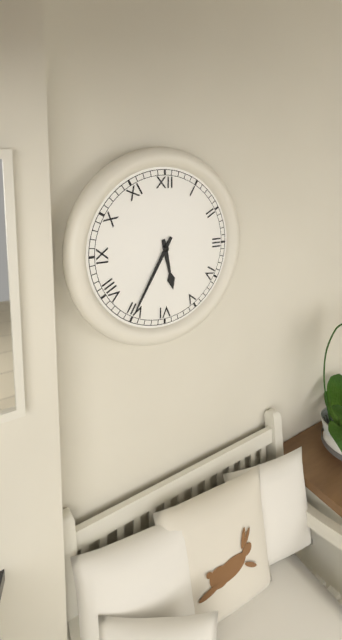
5:35
